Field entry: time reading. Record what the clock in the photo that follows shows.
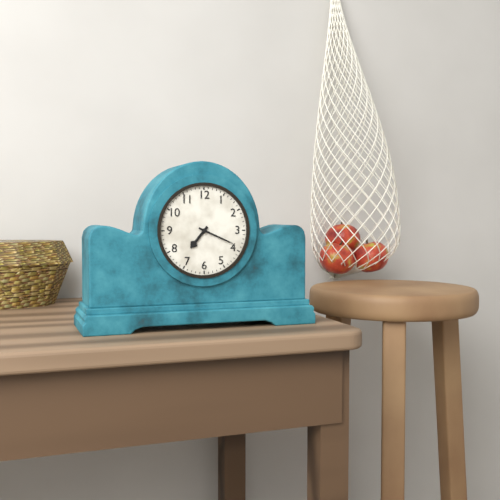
7:19
